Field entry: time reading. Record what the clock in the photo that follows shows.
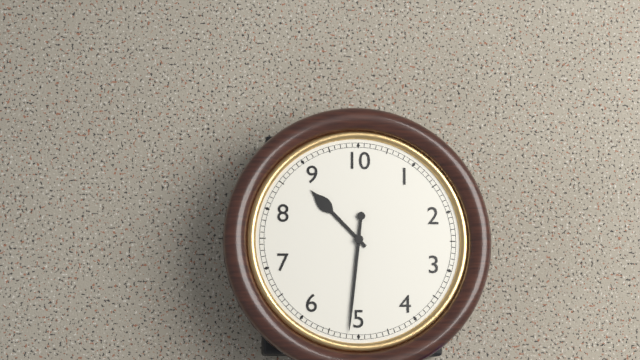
10:31
